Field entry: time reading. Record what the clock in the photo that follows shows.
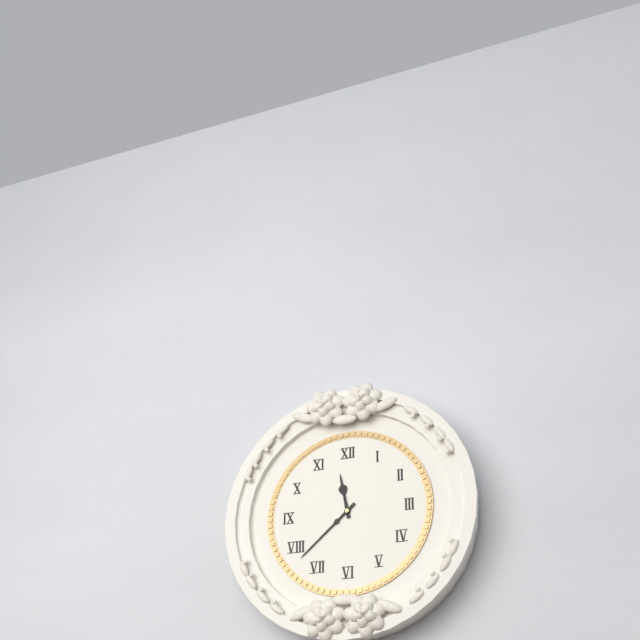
11:38
